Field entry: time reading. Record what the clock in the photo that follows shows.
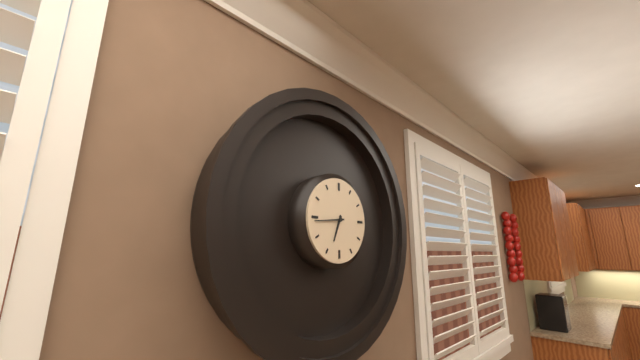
6:44
